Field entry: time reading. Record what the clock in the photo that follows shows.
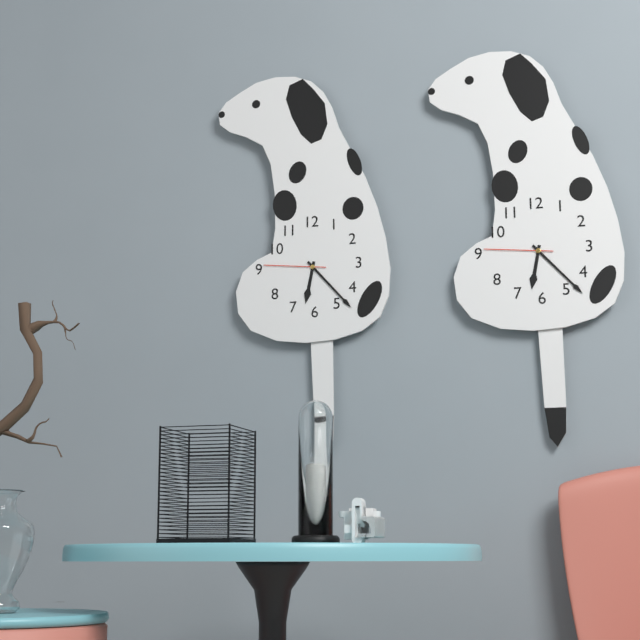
6:23:46
